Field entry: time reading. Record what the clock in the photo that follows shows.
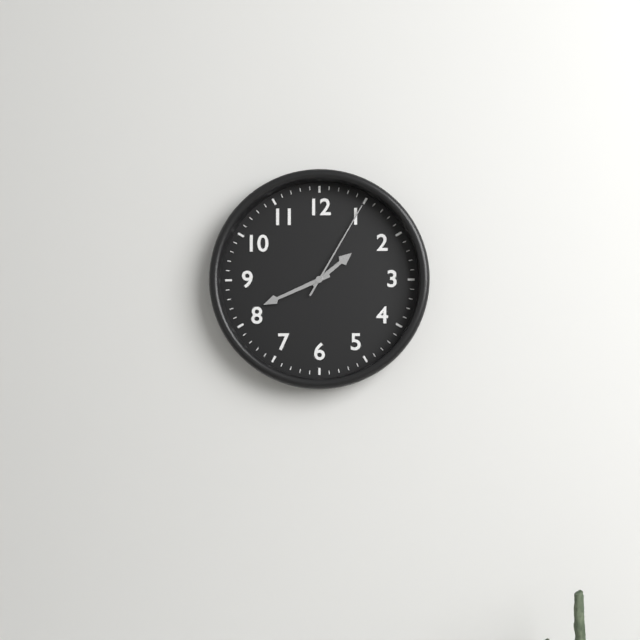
1:41:05
